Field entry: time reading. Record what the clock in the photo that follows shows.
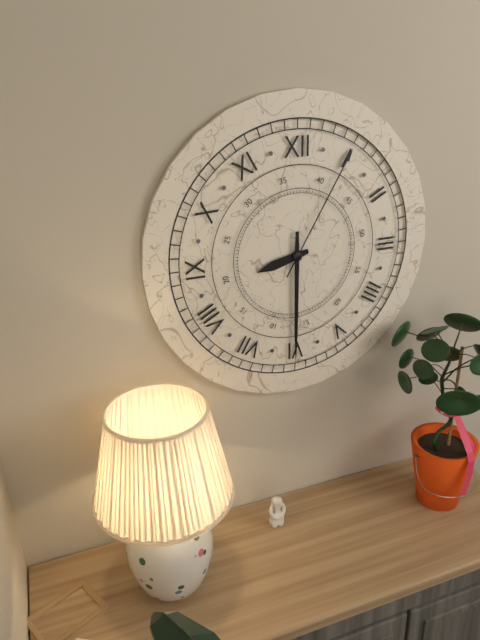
8:30:05
